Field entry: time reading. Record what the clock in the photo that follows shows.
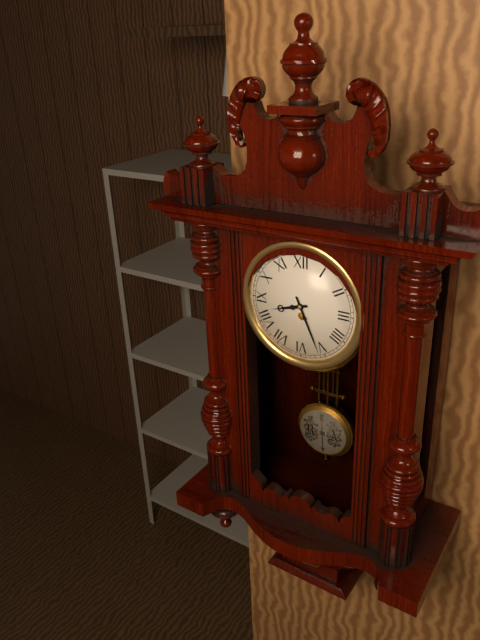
8:26
